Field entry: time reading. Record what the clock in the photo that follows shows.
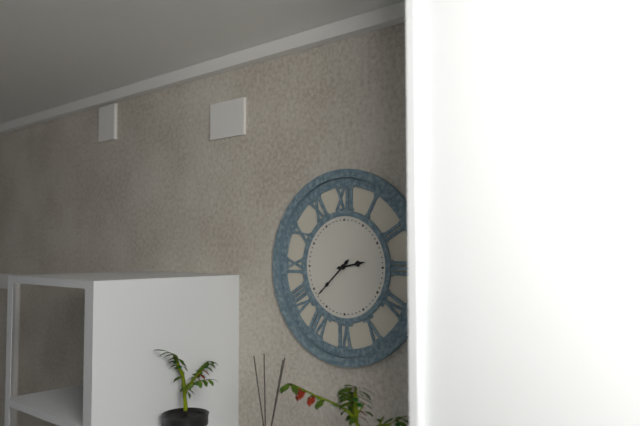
2:38
